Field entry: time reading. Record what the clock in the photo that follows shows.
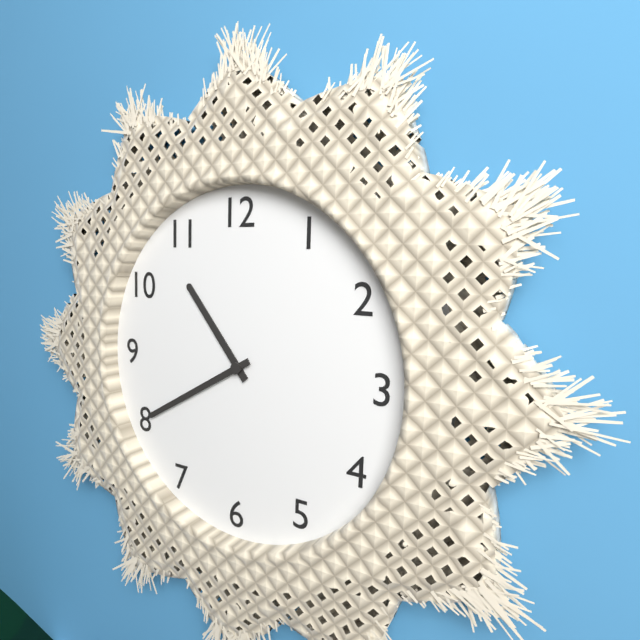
10:40
